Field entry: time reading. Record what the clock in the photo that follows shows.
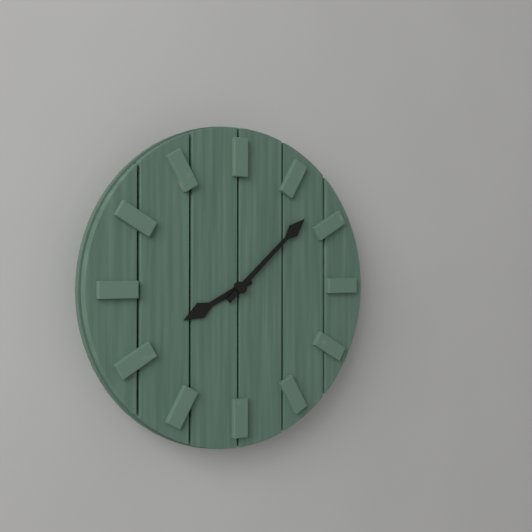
8:08
